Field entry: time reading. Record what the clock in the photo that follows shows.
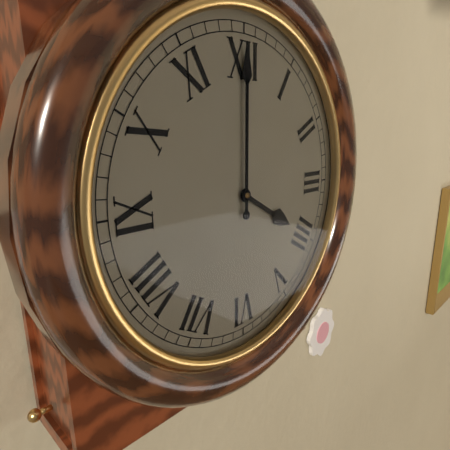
4:00
